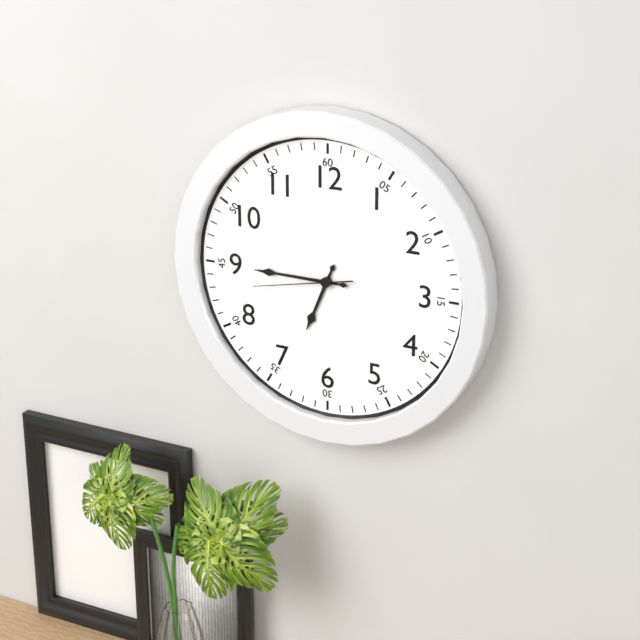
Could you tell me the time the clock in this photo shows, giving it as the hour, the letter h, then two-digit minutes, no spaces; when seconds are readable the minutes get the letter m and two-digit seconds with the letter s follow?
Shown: 6h45m43s
